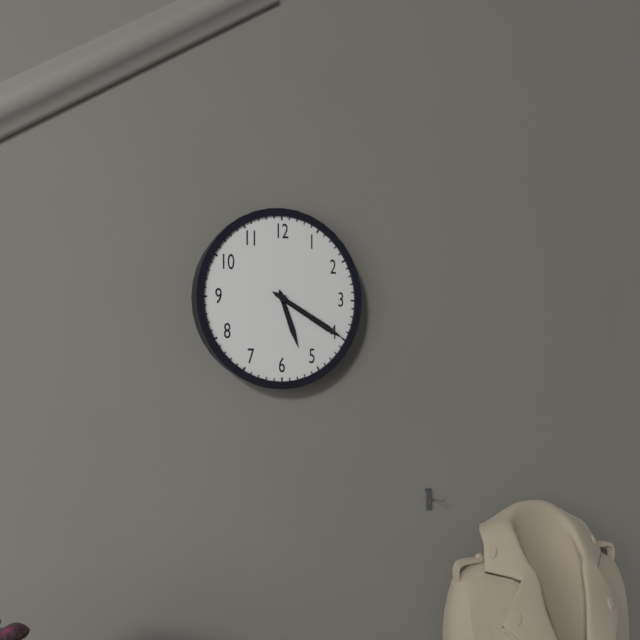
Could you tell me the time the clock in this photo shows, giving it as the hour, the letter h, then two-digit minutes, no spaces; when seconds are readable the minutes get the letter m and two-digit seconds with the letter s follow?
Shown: 5h20
